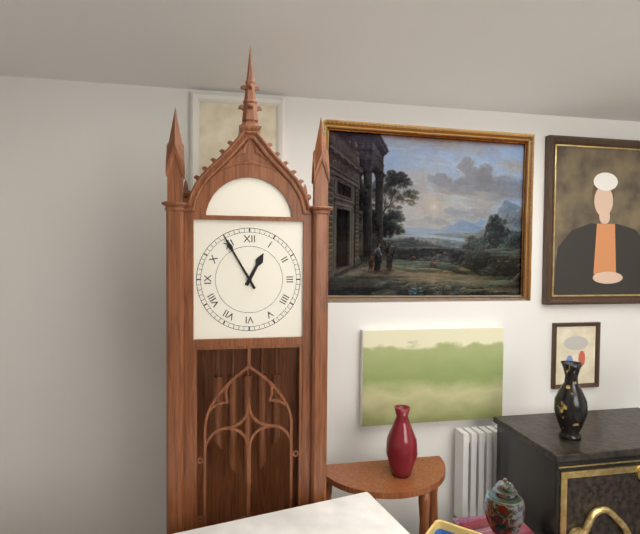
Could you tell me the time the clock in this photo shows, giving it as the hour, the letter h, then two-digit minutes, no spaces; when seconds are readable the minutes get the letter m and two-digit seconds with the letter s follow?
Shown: 12h55
